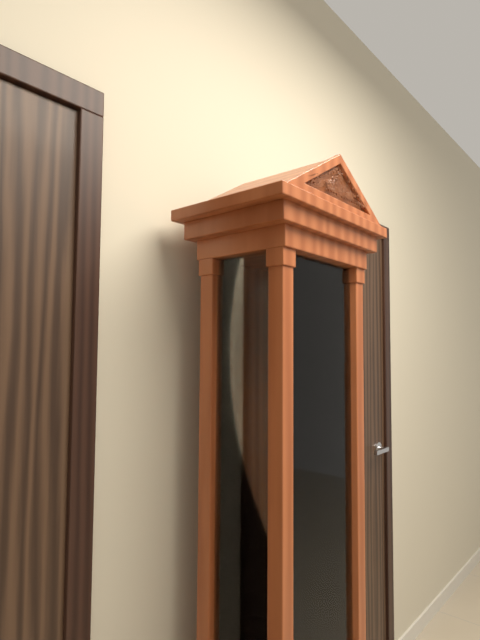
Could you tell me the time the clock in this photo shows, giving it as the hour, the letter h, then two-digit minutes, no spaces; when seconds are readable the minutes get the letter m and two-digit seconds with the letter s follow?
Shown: 5h31
